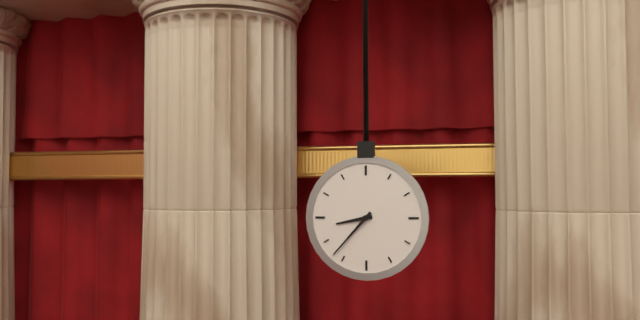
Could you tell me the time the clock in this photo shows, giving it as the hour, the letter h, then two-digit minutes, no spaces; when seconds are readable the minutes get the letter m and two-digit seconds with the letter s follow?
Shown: 8h37
